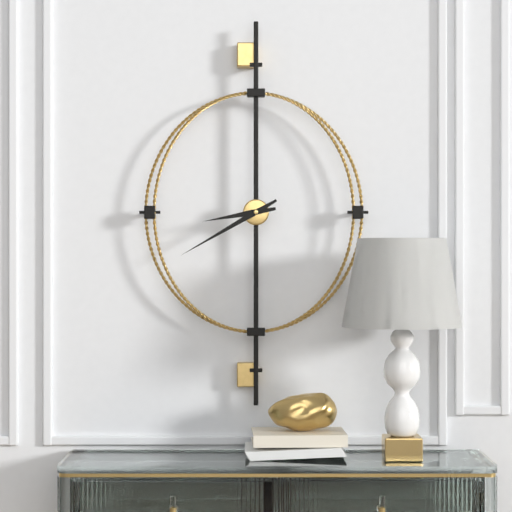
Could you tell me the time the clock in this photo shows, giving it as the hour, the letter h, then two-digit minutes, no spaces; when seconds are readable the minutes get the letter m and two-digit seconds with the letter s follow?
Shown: 8h40
